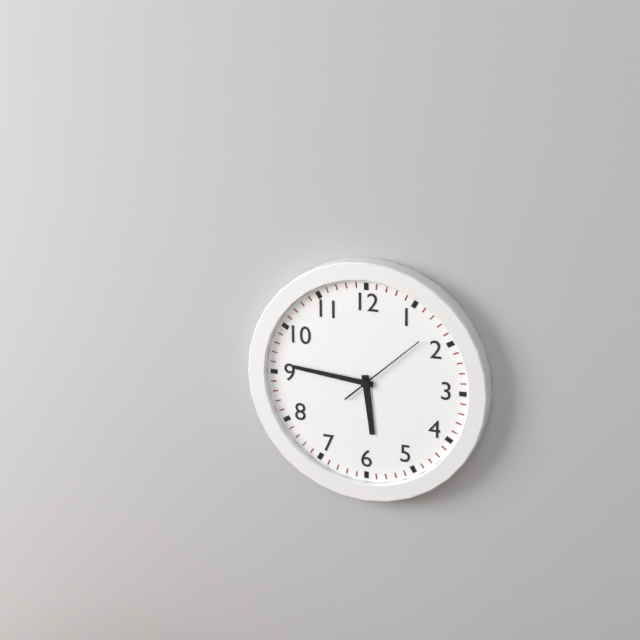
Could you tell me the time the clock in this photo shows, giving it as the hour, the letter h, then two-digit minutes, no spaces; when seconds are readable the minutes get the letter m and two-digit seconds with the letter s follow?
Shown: 5h46m08s
